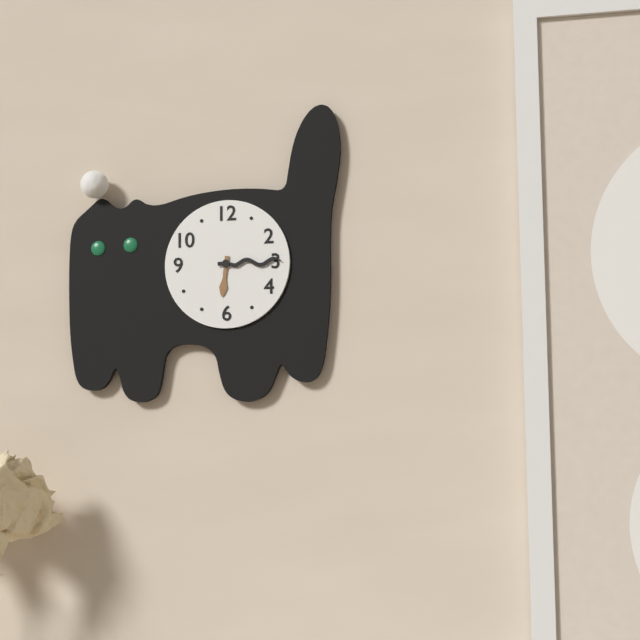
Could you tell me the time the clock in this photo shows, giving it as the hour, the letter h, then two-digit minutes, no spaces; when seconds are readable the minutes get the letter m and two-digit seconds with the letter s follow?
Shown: 6h15
